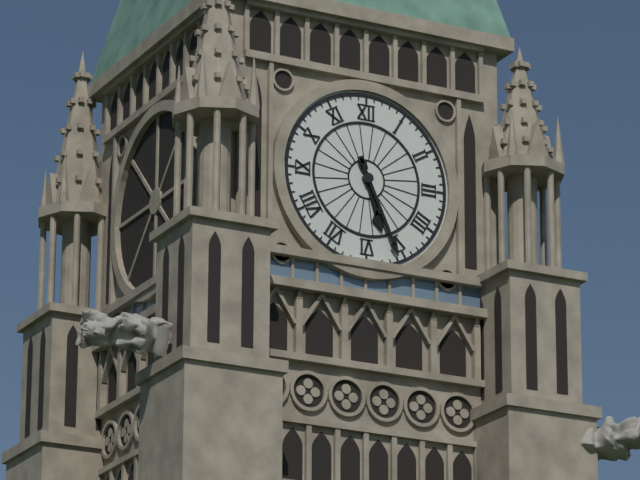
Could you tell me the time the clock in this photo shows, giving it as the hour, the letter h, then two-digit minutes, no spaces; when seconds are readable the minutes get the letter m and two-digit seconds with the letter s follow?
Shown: 5h26
